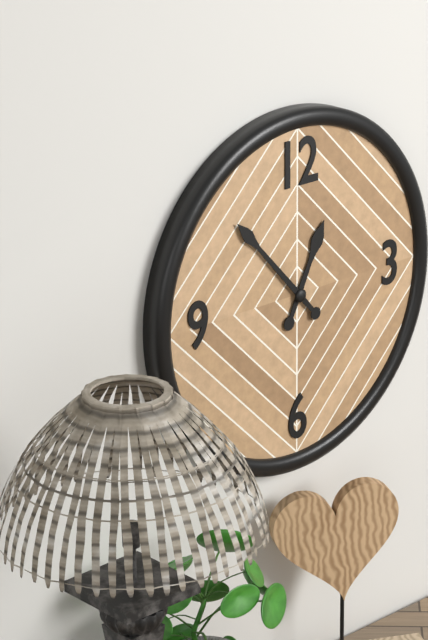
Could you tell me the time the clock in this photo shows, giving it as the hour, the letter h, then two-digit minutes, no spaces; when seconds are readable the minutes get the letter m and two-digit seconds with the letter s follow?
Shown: 12h53
